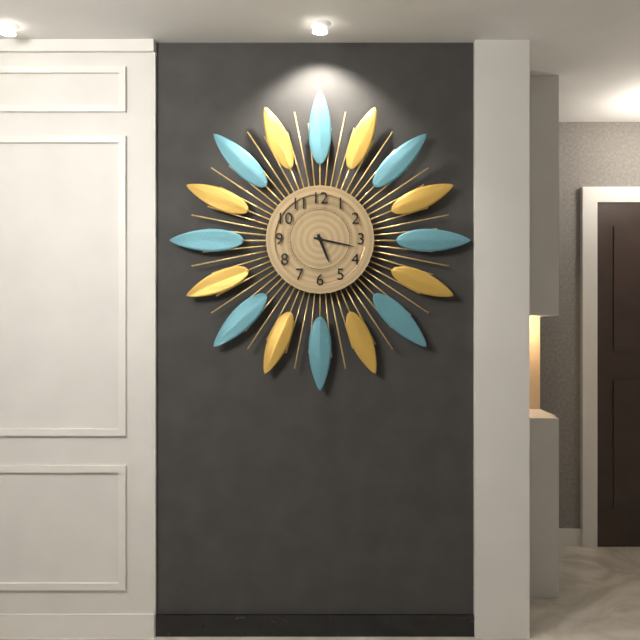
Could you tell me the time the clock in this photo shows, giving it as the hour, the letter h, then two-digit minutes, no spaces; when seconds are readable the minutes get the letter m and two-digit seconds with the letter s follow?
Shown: 5h17
